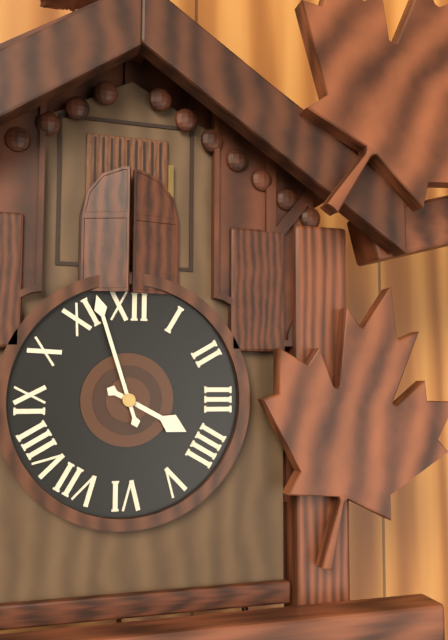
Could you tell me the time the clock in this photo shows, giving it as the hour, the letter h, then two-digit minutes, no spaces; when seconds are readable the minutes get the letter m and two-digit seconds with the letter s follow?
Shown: 3h57
